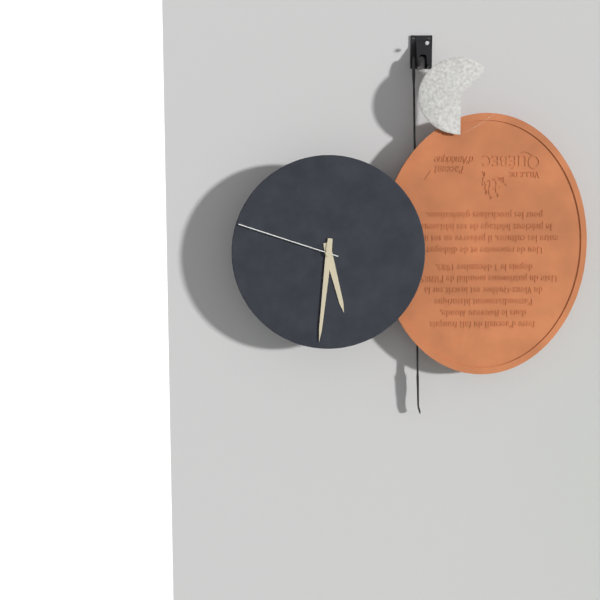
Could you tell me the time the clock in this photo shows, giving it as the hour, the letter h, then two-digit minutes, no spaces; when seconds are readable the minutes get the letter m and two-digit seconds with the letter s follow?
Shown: 5h31m48s
